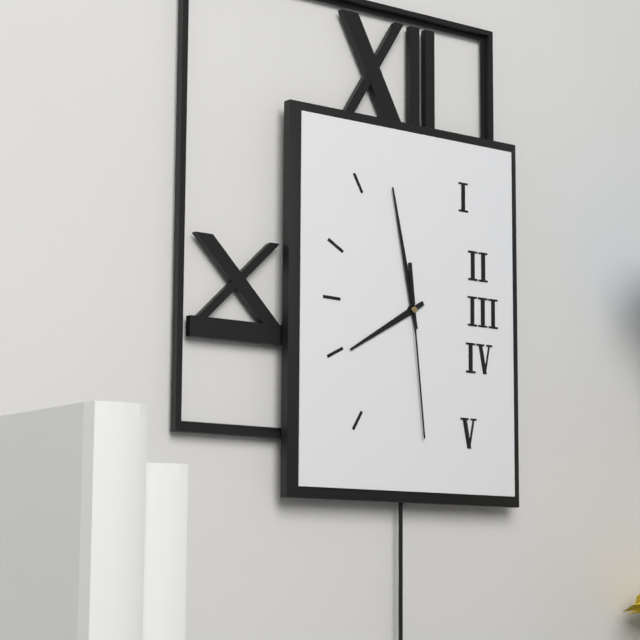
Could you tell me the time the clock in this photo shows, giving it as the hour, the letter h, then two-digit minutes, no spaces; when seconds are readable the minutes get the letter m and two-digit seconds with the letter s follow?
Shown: 7h58m29s
